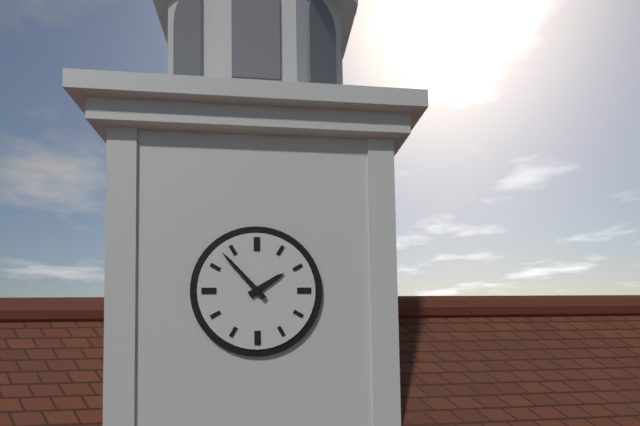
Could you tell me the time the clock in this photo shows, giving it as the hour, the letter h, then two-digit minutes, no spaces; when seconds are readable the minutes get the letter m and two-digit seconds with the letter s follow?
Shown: 1h53
